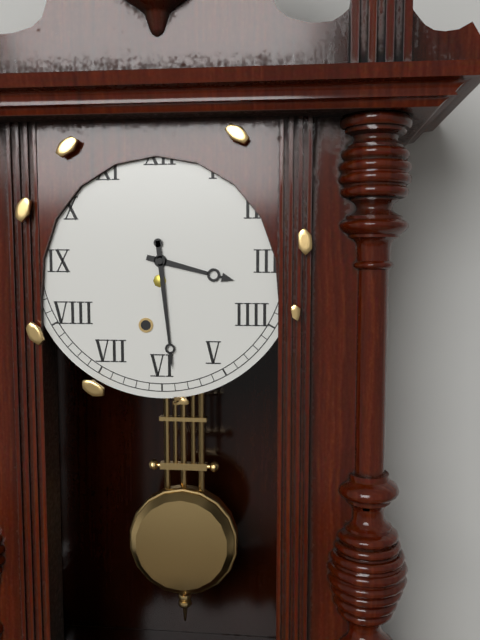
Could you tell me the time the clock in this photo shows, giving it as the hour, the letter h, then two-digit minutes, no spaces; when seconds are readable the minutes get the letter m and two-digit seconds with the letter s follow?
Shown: 3h29
